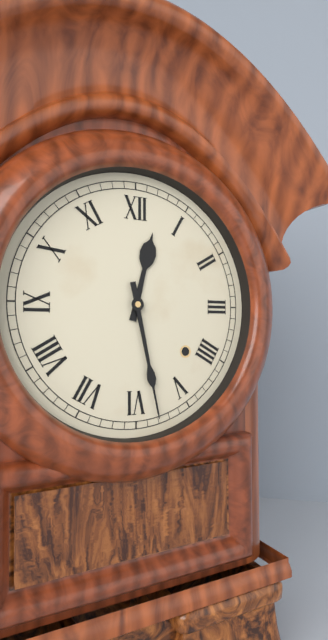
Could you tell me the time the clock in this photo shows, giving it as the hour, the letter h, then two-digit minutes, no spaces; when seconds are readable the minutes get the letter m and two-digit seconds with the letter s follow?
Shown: 12h28
